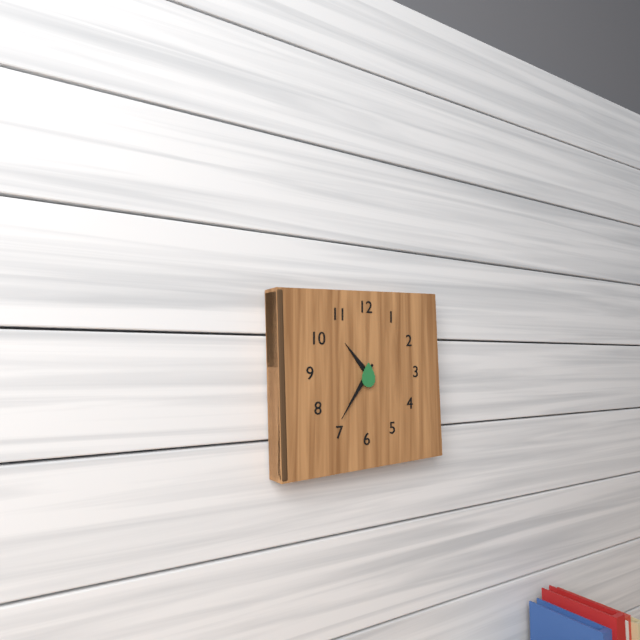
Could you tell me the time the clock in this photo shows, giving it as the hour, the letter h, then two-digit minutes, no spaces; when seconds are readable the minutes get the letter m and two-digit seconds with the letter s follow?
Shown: 10h36
